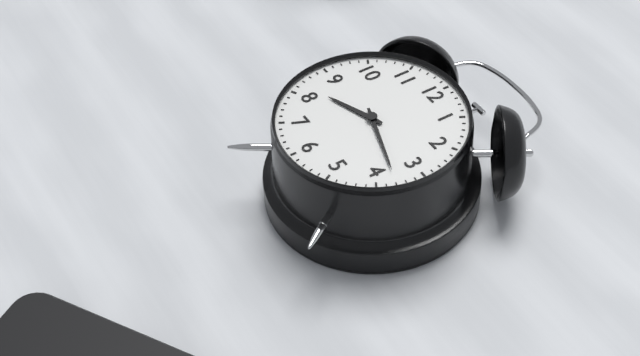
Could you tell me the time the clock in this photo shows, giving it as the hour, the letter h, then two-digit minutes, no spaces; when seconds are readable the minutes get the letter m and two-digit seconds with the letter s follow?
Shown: 8h18
